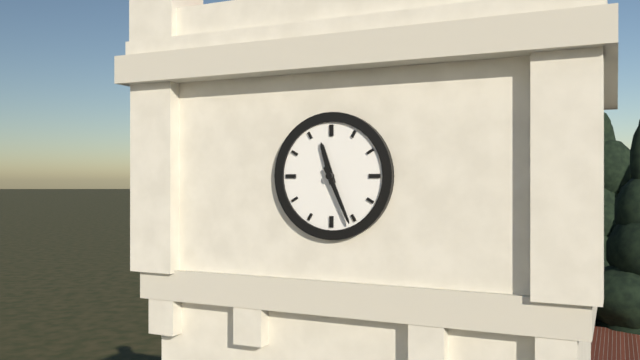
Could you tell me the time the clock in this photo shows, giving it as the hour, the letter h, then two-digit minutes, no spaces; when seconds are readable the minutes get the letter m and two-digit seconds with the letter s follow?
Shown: 11h26
